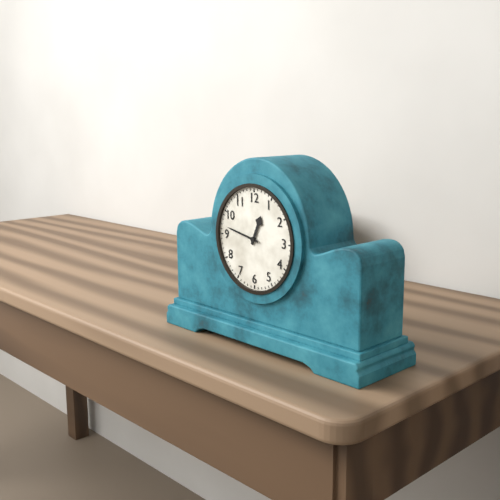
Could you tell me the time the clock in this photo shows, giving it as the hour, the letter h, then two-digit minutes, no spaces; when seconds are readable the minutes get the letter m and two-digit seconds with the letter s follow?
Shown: 12h47
